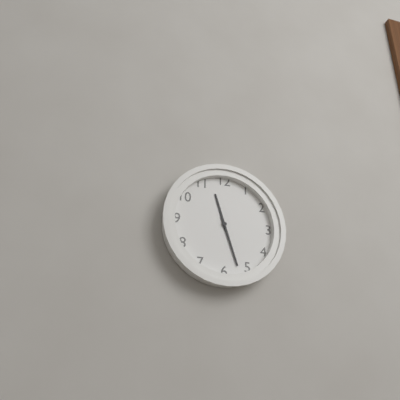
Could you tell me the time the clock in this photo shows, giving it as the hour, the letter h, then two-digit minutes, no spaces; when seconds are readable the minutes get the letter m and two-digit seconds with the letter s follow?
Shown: 11h27
